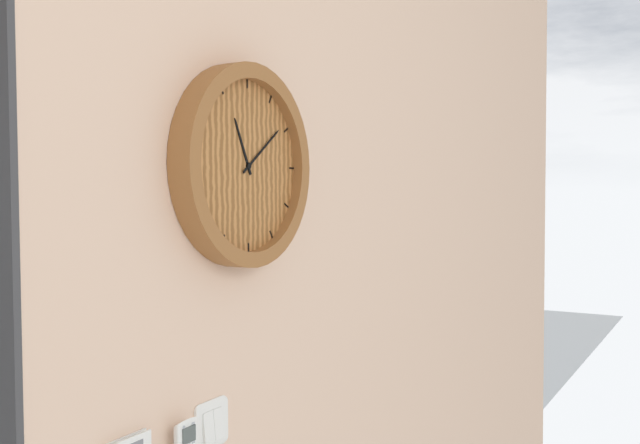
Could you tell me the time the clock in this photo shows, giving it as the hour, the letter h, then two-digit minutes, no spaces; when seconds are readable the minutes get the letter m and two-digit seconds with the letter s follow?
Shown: 11h09
